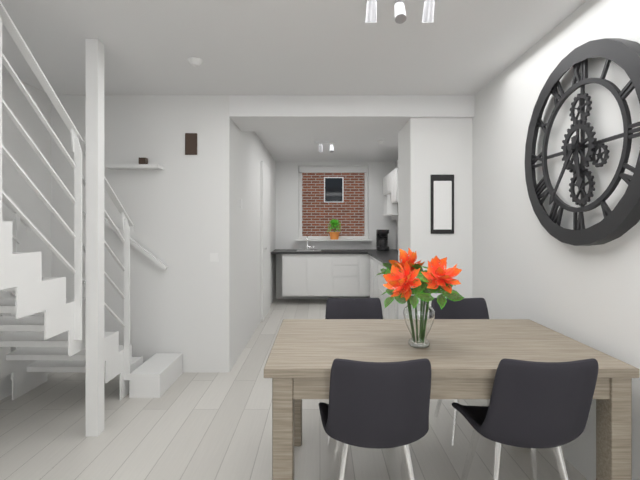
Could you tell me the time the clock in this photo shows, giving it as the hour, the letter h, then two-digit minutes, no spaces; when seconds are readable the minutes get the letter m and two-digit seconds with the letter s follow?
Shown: 5h36
